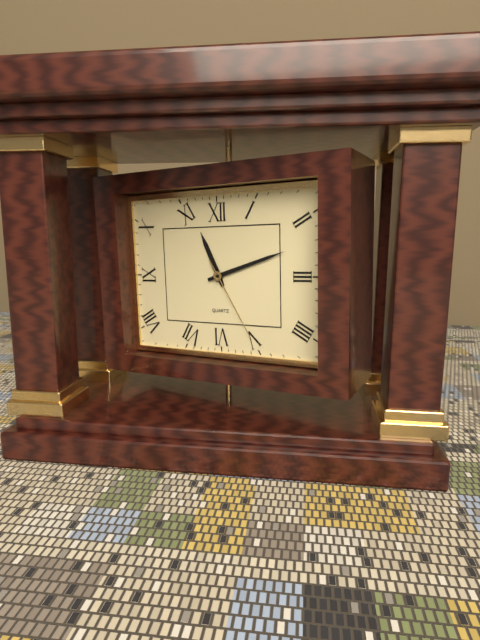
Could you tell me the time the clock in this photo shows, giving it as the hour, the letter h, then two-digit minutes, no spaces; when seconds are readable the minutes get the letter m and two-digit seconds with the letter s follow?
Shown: 11h12m25s
